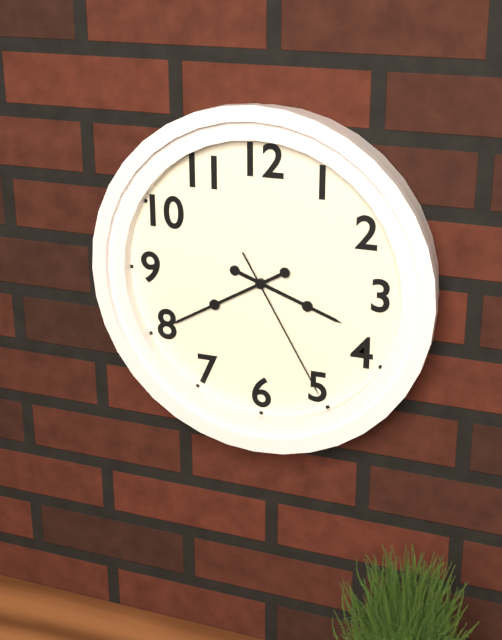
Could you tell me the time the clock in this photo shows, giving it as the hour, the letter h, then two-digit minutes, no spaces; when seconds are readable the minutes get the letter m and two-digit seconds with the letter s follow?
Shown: 3h40m25s
